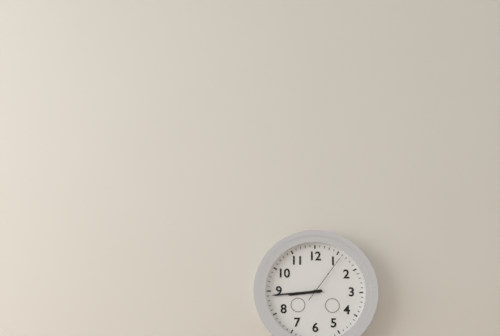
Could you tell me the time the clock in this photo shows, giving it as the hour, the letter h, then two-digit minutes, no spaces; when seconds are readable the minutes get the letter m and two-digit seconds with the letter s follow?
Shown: 8h44m06s
